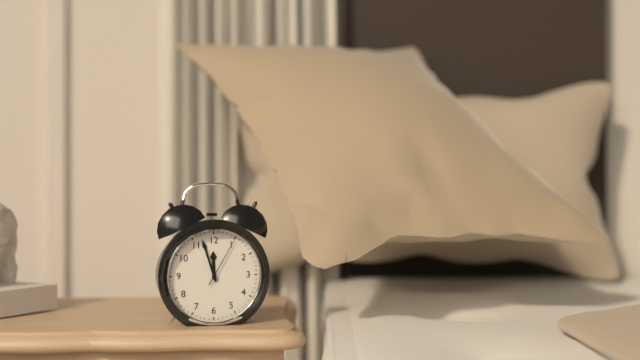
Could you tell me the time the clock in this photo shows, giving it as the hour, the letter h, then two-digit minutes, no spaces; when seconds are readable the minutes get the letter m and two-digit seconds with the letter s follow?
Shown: 11h57m05s
